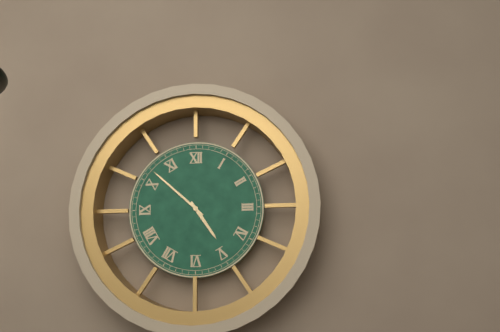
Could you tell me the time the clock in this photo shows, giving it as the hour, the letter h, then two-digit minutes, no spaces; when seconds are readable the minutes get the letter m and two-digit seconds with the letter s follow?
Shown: 4h52
